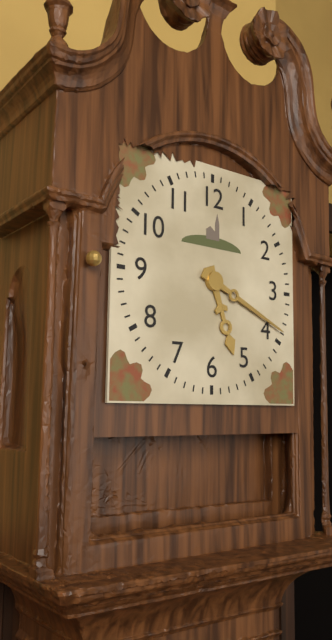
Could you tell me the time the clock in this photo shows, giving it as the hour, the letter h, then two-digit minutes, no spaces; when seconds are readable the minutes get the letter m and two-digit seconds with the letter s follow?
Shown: 5h19
